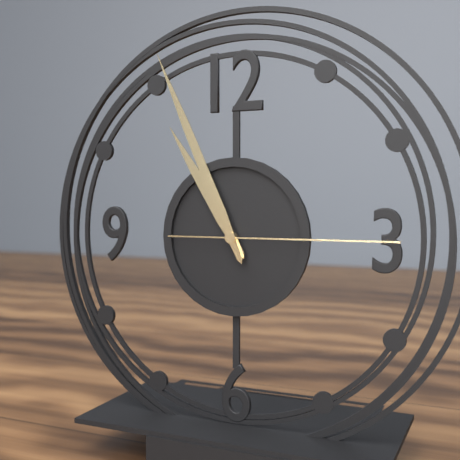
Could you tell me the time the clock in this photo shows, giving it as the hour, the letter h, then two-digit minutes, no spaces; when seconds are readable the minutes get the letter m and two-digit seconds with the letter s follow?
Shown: 10h56m15s
